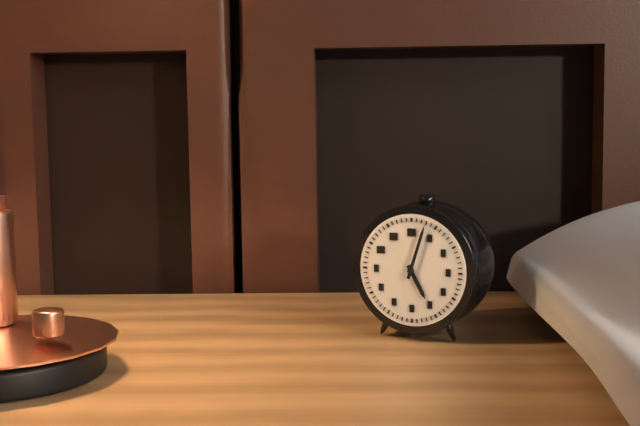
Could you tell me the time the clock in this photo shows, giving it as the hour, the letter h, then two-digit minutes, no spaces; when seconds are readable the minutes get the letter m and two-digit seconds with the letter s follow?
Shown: 5h03
